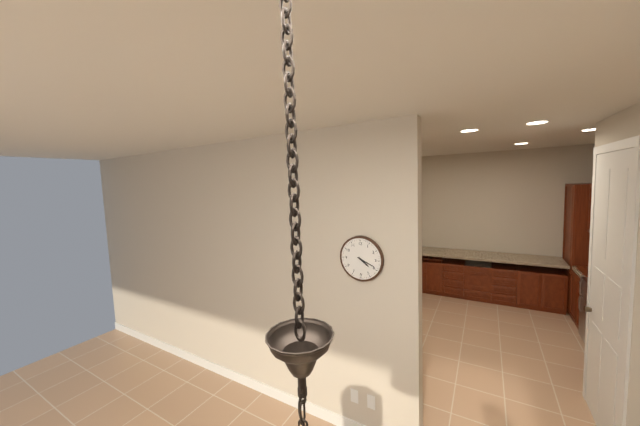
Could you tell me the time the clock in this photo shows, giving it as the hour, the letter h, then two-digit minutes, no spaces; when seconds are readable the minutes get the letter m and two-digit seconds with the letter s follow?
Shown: 4h19
